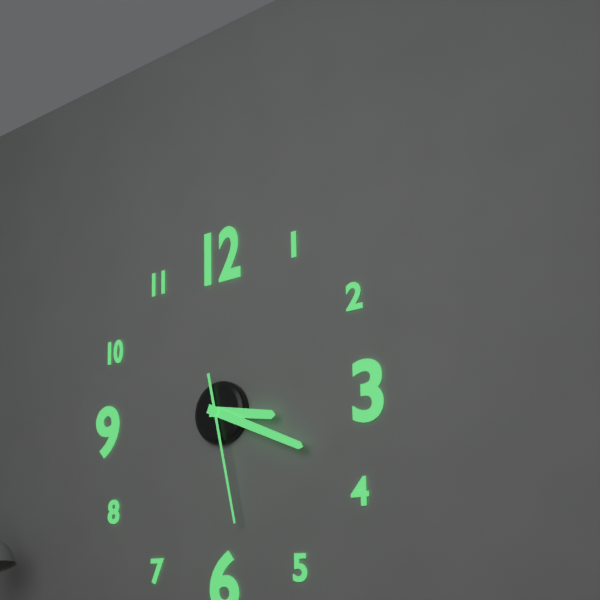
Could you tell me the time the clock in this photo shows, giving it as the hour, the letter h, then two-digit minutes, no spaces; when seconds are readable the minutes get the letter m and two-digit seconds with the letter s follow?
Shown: 3h19m28s
